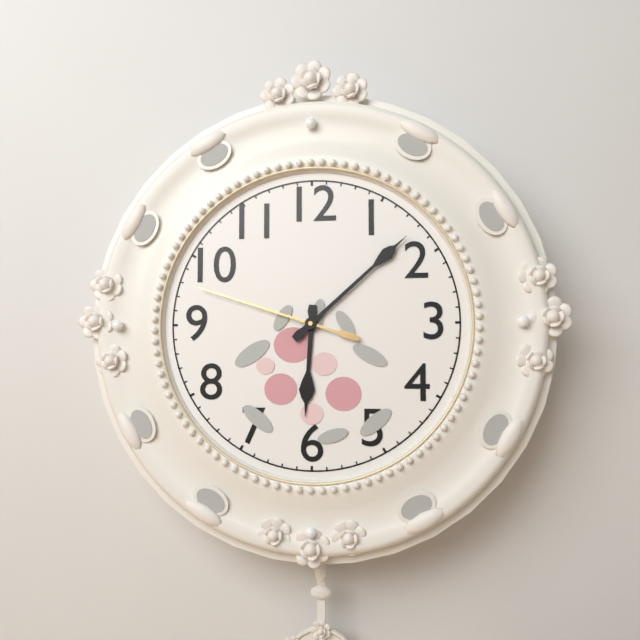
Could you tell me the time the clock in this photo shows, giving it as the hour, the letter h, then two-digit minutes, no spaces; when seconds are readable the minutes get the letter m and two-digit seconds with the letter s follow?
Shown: 6h08m48s
